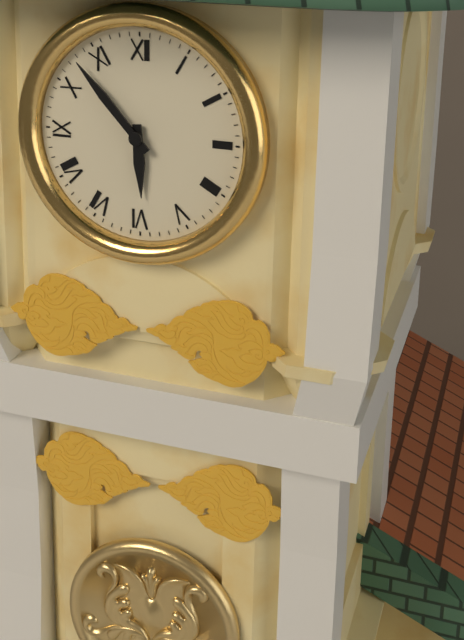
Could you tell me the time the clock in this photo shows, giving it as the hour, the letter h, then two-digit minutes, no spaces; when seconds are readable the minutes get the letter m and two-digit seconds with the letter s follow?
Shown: 5h53
